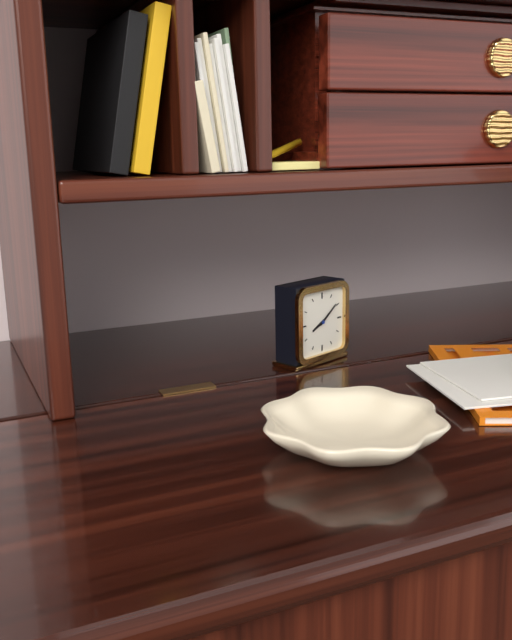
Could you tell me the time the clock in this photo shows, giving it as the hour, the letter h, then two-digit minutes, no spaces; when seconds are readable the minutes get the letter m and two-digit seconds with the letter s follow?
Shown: 8h09
